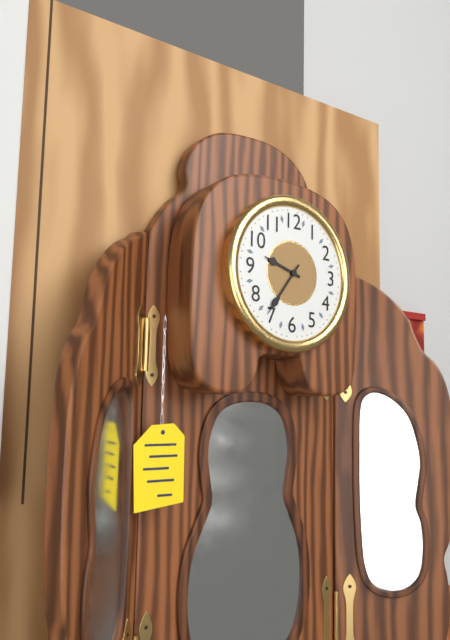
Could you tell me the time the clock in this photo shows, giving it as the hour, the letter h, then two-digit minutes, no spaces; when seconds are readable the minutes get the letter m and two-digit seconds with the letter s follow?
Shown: 9h36
